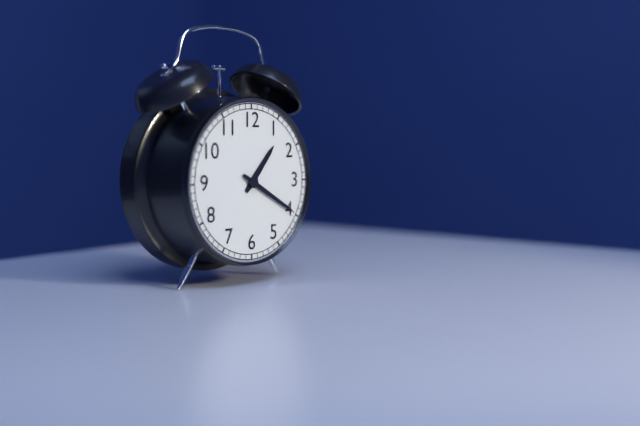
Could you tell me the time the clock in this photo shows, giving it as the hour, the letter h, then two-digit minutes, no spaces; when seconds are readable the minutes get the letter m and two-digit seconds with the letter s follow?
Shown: 1h20
